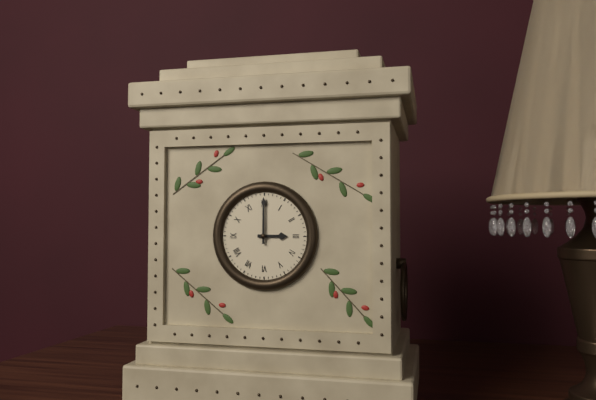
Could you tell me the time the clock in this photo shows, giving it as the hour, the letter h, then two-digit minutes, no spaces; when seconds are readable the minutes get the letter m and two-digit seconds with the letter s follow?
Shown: 3h00
